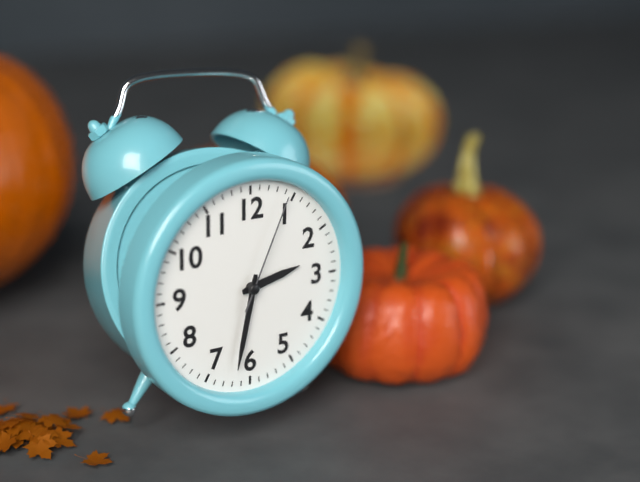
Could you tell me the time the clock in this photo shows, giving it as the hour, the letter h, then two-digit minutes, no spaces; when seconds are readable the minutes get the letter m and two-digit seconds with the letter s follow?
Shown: 2h32m04s
